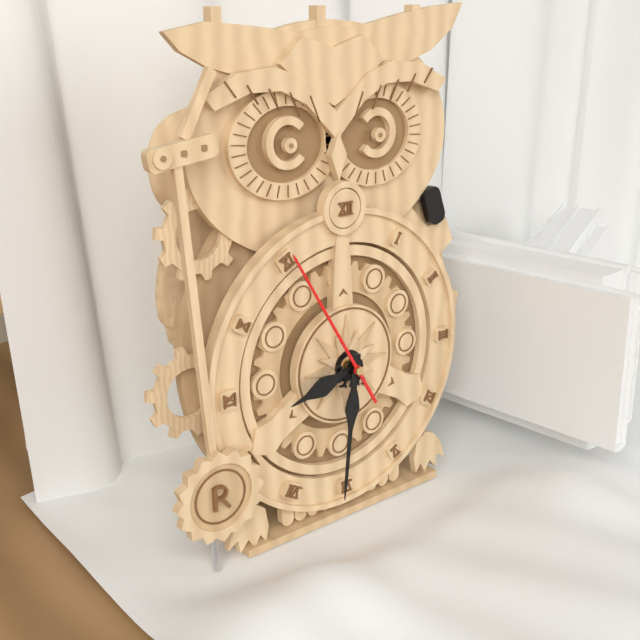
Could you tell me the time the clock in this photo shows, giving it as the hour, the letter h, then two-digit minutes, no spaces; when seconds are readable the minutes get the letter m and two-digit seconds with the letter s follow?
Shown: 8h31m55s
